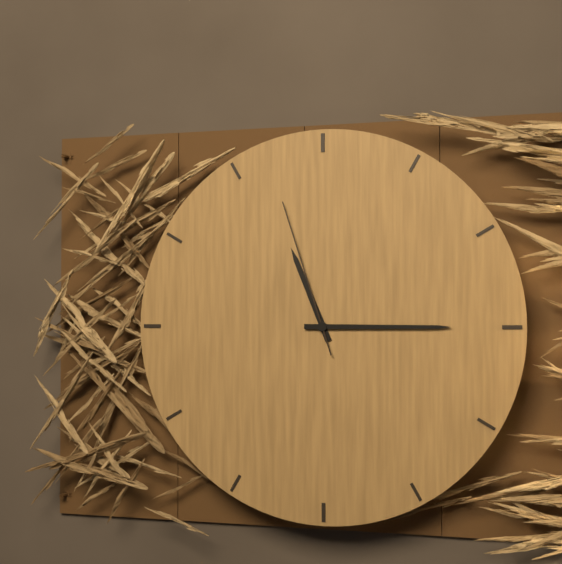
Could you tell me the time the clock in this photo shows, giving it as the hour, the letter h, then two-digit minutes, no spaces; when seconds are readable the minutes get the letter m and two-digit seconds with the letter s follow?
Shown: 11h15m57s
